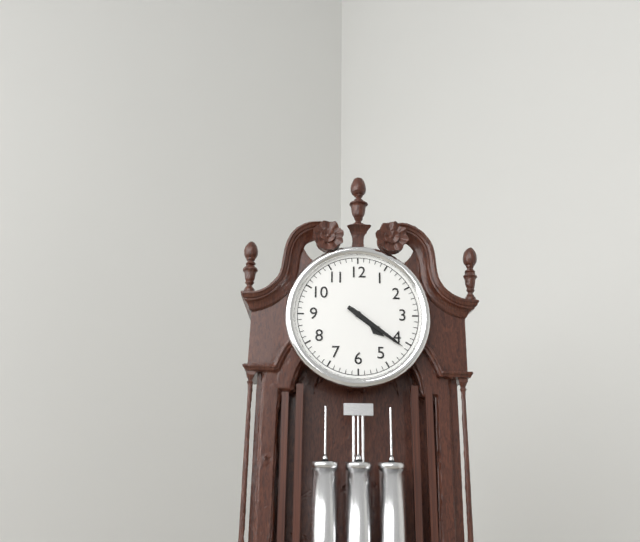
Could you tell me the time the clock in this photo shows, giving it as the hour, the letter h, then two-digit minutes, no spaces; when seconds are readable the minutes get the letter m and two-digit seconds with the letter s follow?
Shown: 4h21
